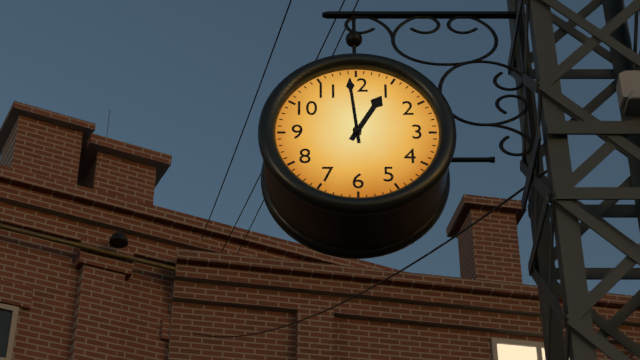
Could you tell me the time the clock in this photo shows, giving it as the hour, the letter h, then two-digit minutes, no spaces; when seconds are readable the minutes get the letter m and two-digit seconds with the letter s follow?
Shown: 12h59
